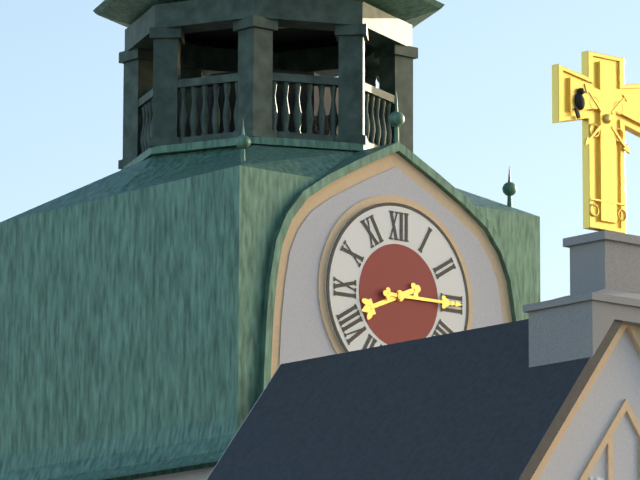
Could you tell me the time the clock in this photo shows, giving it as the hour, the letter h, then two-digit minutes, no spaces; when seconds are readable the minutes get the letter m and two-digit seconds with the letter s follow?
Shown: 8h15
